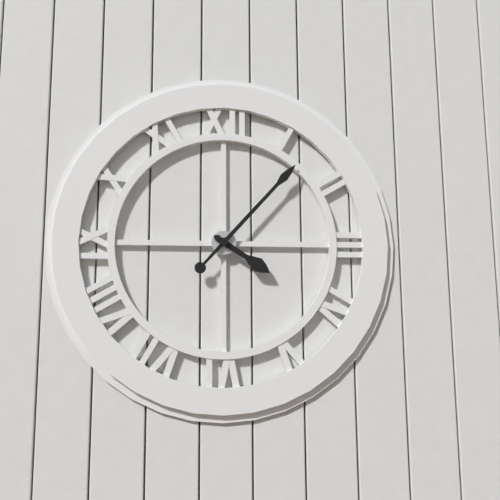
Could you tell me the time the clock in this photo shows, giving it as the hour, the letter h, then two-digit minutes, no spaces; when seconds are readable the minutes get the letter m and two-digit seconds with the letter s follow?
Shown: 4h07
